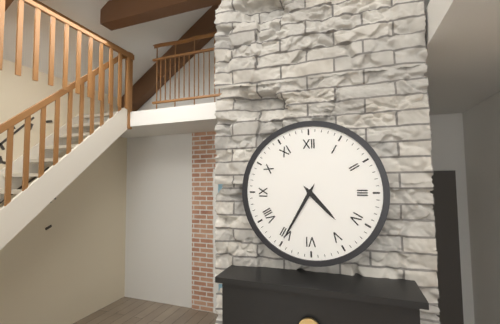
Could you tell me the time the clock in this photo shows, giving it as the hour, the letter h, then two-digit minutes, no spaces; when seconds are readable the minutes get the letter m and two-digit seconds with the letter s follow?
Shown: 4h35
